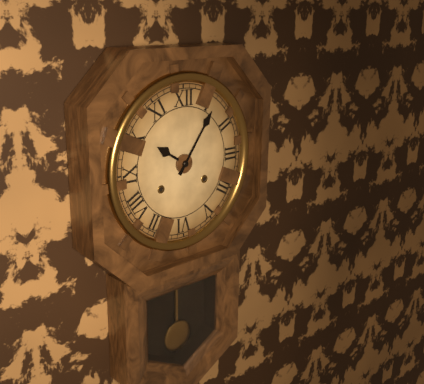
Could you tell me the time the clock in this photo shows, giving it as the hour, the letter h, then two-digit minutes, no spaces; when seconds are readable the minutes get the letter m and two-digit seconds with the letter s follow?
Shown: 10h06
